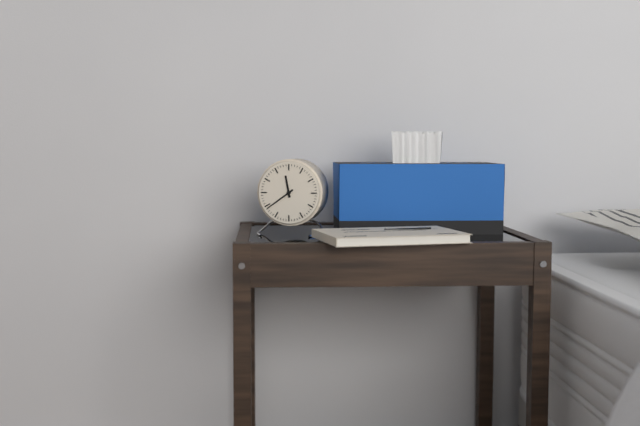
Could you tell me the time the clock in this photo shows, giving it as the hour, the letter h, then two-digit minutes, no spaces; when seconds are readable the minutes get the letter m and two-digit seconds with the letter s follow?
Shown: 11h39
